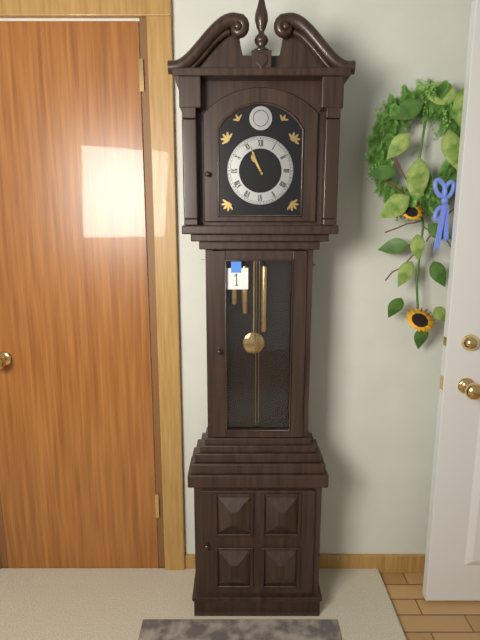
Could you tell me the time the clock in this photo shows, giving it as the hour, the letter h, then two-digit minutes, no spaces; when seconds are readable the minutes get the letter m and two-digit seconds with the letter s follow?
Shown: 10h56
